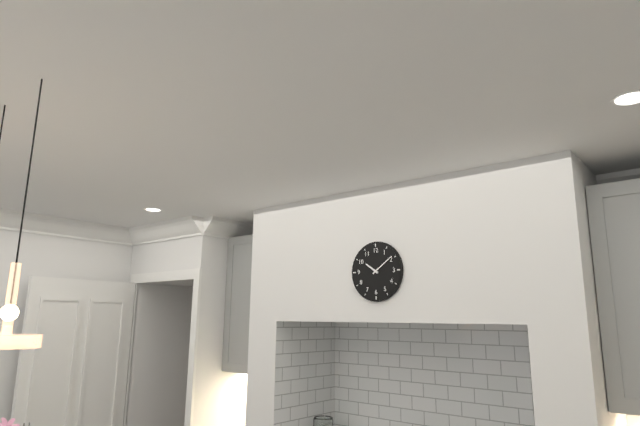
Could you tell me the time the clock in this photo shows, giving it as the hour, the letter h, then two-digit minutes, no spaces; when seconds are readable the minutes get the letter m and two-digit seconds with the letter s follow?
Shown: 10h09
